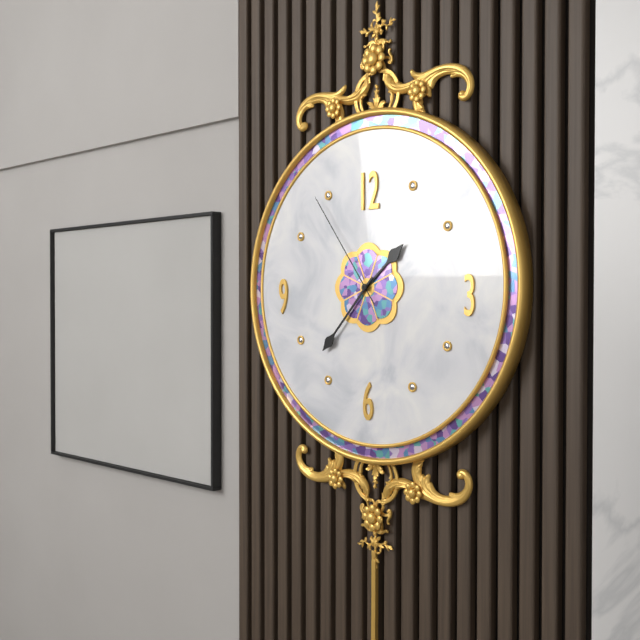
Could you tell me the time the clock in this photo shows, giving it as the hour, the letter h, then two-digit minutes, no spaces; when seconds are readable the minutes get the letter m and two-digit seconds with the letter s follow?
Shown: 1h37m54s
